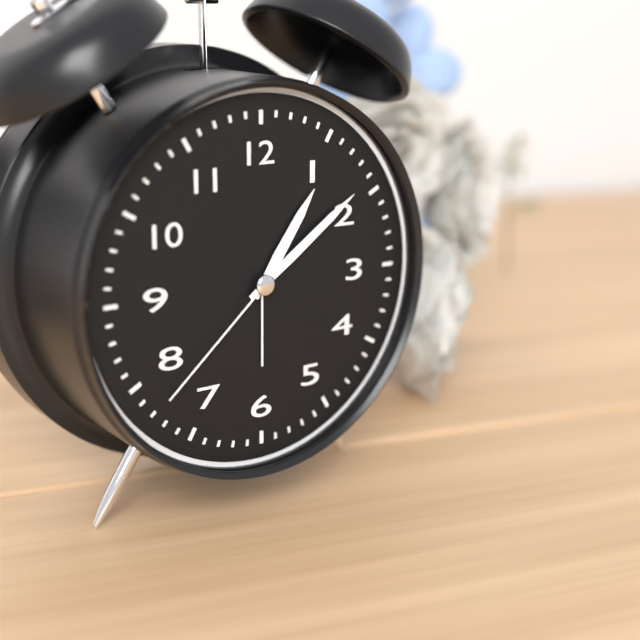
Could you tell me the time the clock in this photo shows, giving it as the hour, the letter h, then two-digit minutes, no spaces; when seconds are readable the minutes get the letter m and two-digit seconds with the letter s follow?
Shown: 1h09m38s
